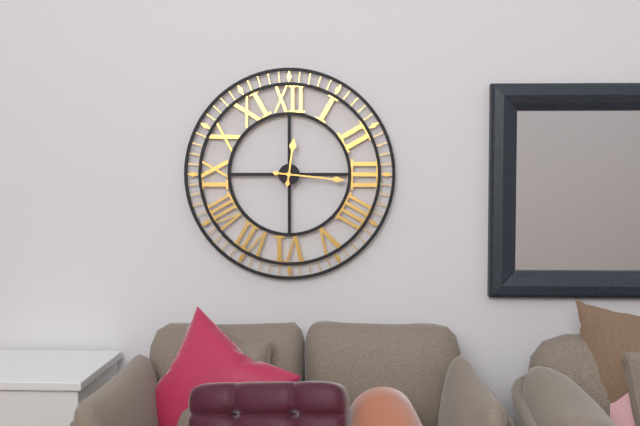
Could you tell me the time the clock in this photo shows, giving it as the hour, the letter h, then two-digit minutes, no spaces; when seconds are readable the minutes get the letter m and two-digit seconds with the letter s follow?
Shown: 12h16
